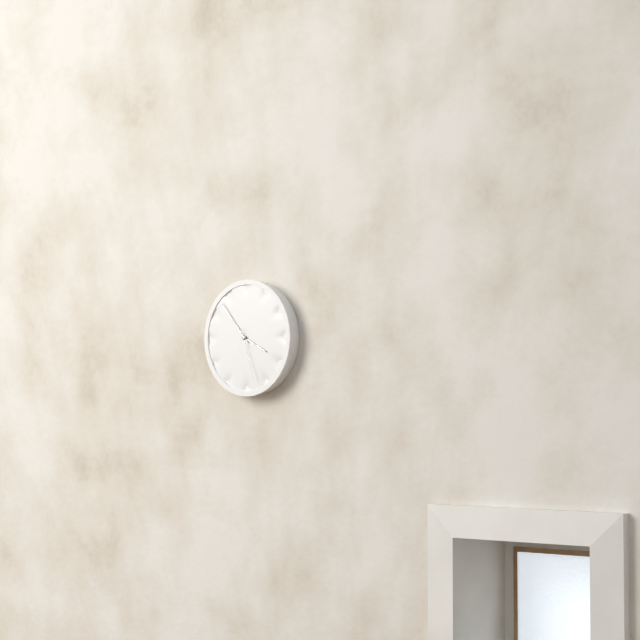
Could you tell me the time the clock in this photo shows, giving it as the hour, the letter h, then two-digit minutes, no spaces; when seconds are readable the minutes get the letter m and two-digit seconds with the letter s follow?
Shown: 3h53m27s
